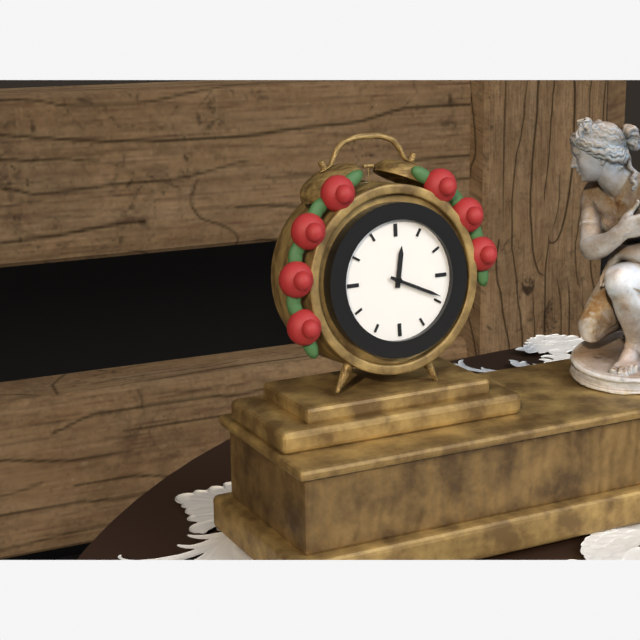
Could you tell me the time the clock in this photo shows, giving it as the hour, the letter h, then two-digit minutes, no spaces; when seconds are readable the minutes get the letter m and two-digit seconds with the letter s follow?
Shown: 12h19
